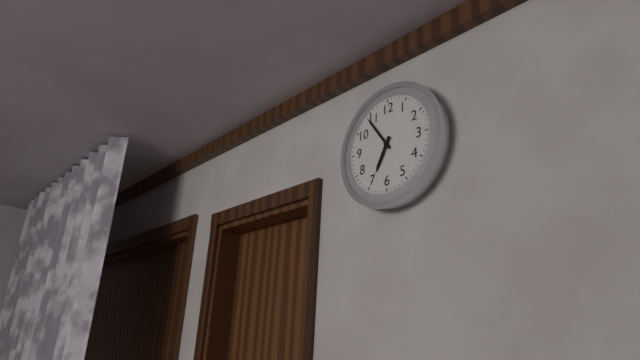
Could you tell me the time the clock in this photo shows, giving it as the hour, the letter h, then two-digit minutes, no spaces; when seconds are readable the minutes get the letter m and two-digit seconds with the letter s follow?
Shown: 6h54
